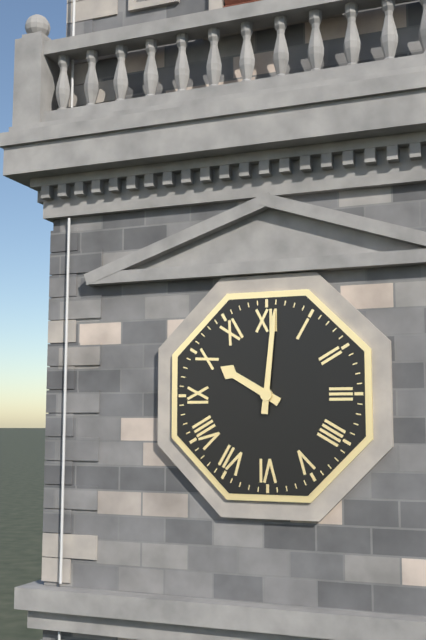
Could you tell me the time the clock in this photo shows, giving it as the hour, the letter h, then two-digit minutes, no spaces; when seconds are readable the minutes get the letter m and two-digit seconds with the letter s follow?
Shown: 10h01
